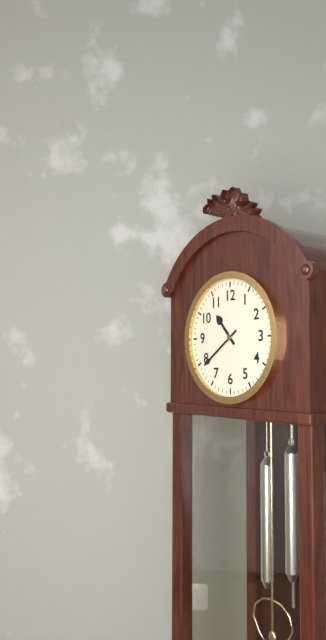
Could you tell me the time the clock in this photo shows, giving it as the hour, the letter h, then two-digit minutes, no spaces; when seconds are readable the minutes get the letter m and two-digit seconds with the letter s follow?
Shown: 10h39
